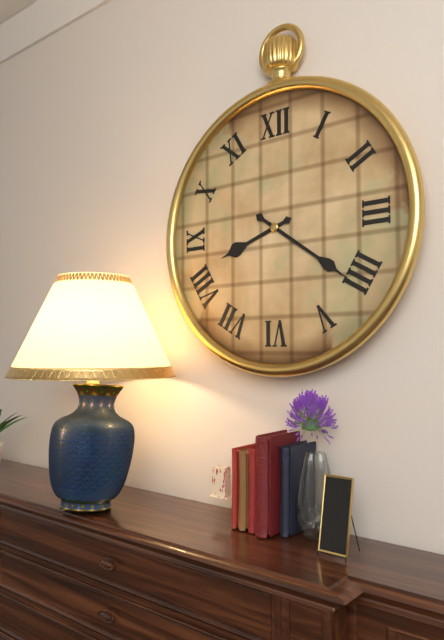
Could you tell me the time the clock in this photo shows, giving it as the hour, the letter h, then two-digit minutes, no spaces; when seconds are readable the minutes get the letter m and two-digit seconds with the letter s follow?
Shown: 8h21
